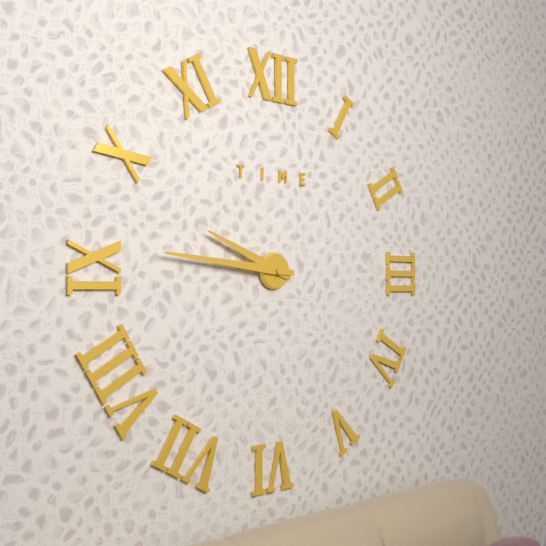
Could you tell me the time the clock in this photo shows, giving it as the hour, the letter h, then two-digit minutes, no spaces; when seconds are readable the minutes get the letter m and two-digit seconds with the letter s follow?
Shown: 9h46
